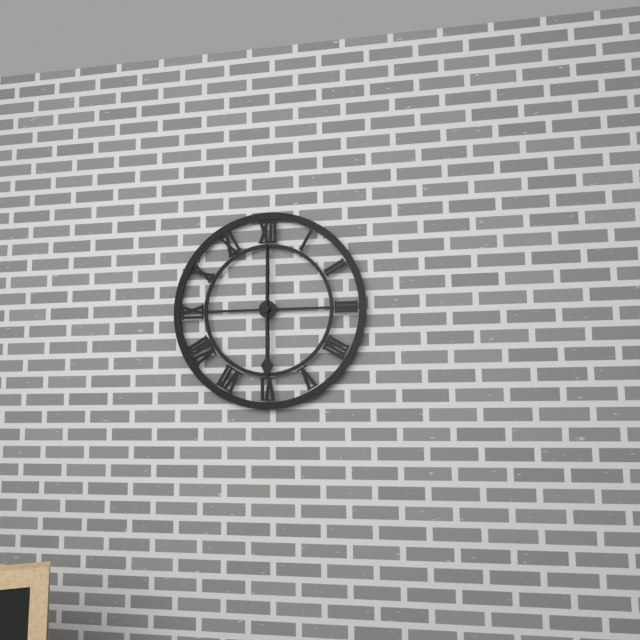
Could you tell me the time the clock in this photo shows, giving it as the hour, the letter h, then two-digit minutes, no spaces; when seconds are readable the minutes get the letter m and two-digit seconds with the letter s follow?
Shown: 6h00
